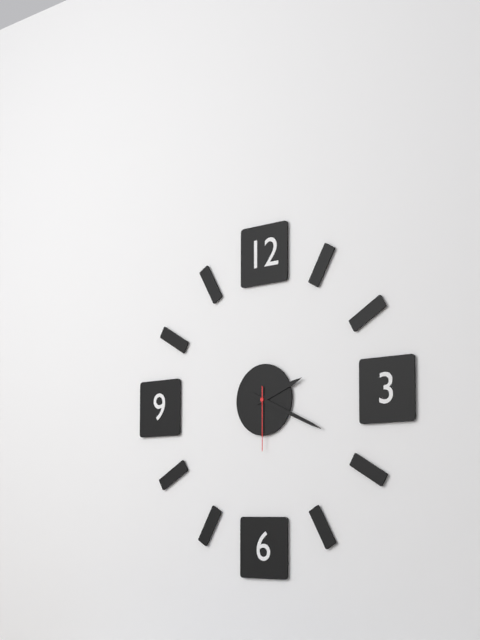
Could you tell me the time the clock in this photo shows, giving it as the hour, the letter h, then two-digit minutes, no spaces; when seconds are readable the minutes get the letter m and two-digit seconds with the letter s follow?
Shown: 2h19m30s
